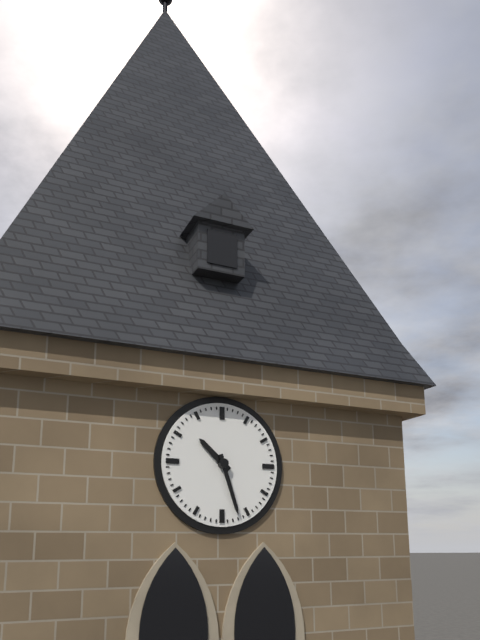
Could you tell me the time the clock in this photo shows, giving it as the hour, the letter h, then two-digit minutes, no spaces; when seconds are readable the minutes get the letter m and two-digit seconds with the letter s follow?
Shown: 10h27
